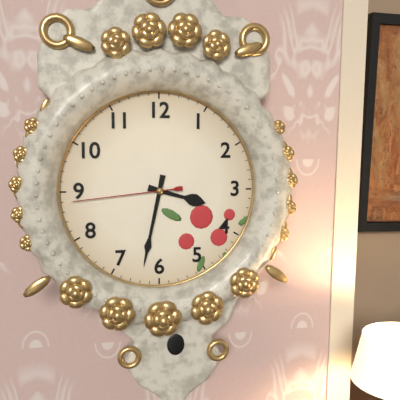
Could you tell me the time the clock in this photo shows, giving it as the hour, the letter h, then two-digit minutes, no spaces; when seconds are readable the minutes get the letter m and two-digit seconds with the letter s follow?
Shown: 3h32m44s
